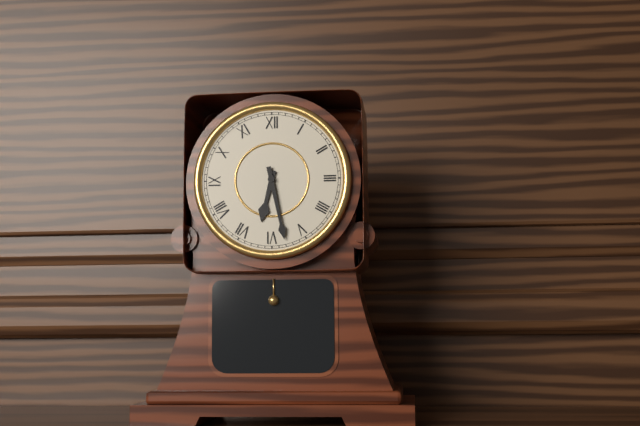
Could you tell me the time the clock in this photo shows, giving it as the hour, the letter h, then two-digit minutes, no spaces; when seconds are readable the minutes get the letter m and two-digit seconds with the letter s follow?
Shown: 6h28
